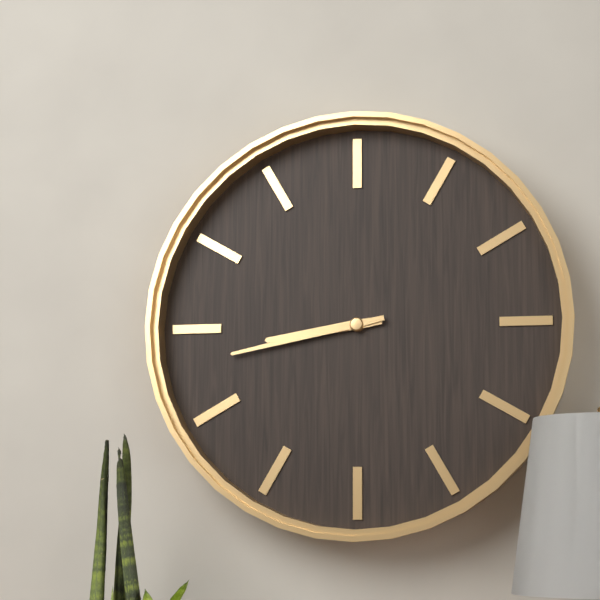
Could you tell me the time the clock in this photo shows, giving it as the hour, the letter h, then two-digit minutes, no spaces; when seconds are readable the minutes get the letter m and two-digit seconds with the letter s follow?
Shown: 8h43
